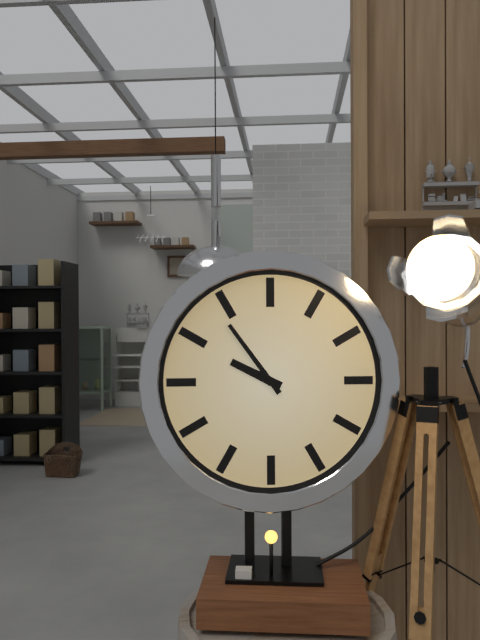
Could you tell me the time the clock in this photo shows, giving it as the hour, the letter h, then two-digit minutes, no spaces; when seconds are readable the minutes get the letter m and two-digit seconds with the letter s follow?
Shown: 9h54
